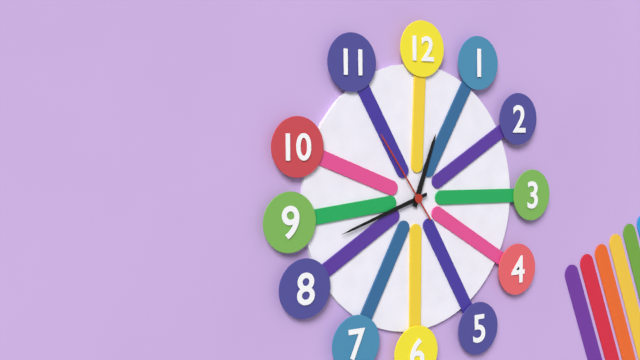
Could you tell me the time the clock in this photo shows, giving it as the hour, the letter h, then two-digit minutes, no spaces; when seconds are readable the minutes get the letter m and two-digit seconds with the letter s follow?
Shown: 12h42m54s
